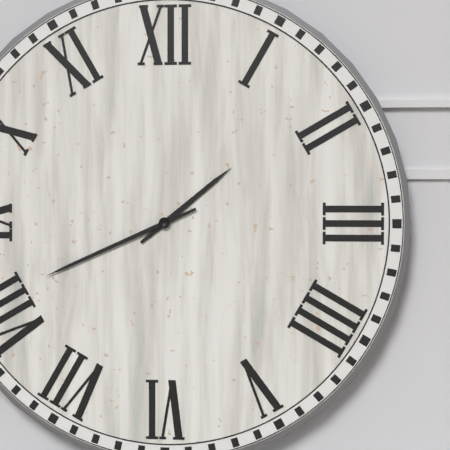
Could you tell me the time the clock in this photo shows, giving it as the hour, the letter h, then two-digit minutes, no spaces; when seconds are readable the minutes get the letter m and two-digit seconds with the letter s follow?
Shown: 1h41
